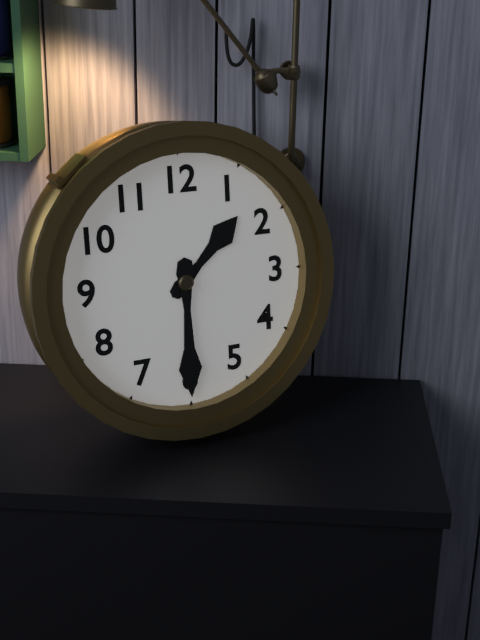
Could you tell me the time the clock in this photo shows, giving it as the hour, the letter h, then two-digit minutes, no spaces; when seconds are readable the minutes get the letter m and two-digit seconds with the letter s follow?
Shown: 1h30
